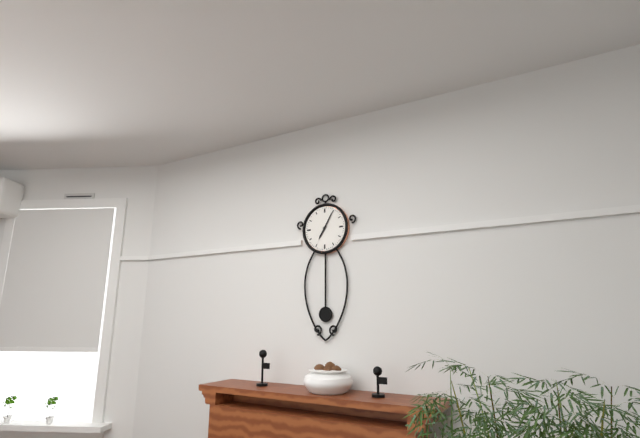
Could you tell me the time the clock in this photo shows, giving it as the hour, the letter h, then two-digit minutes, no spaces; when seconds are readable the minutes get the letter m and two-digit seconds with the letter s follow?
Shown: 7h05
